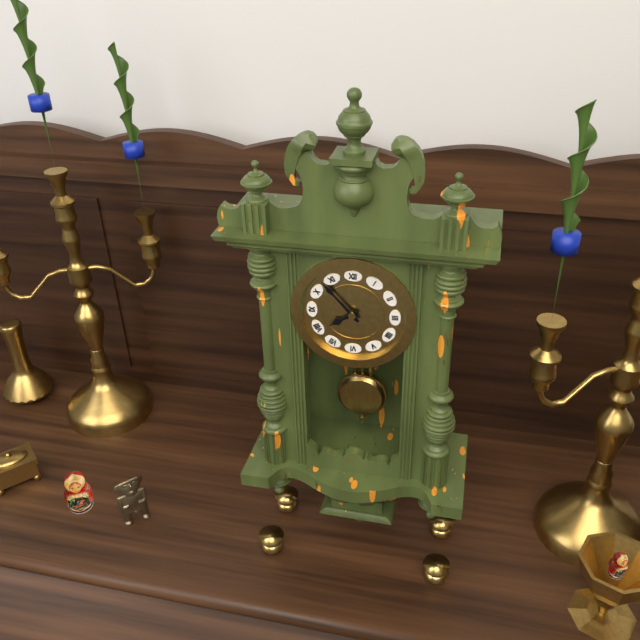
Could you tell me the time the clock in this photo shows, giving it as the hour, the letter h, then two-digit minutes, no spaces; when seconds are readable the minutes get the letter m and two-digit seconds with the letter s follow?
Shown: 7h53
